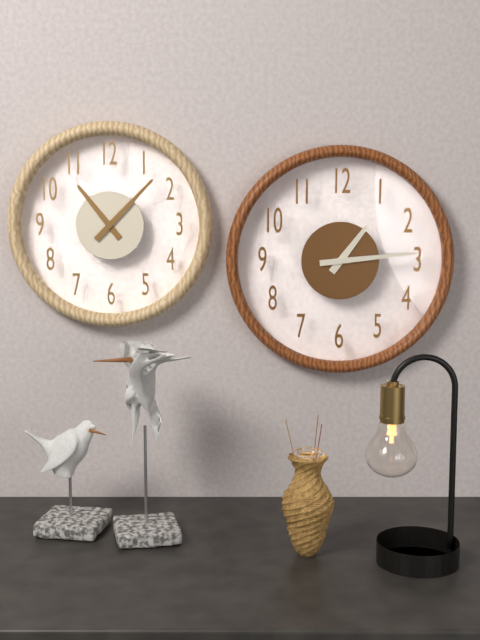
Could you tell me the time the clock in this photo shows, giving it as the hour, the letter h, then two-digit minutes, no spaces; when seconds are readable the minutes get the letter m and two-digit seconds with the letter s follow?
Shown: 1h14
